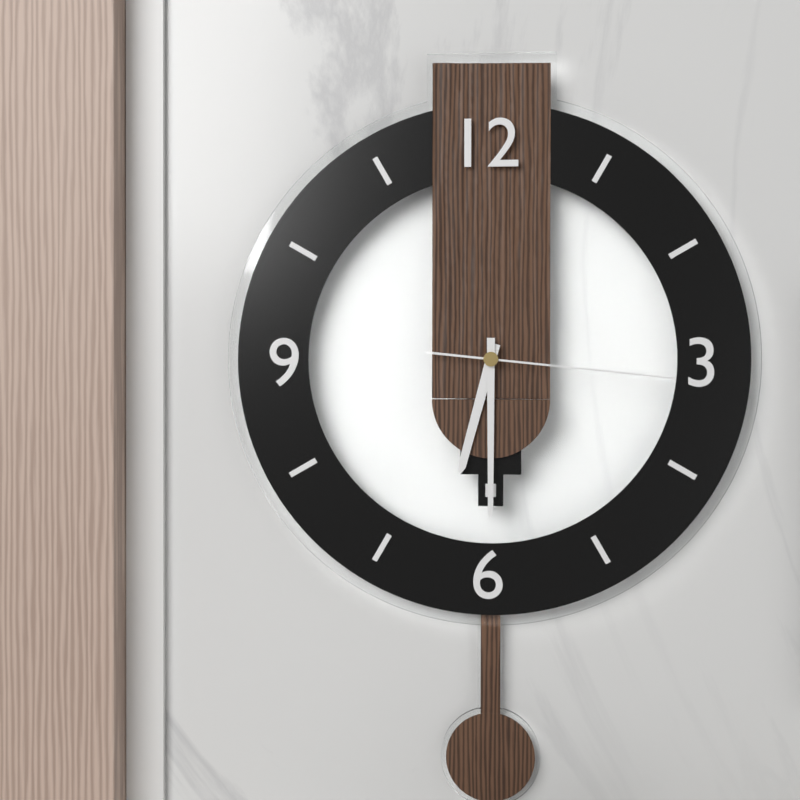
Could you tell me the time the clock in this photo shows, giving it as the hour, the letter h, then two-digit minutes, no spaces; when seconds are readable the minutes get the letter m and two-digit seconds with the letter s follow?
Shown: 6h30m16s
